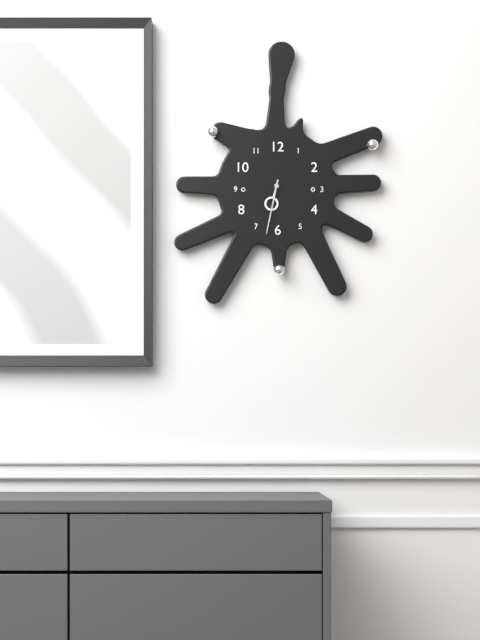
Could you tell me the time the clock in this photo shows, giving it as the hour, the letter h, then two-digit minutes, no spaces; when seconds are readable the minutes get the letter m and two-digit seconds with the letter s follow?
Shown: 6h32
